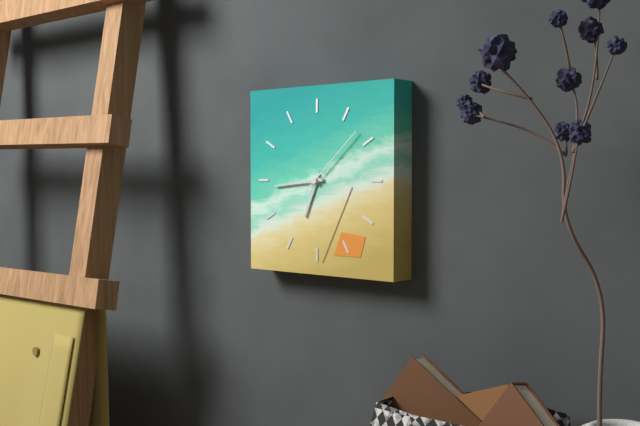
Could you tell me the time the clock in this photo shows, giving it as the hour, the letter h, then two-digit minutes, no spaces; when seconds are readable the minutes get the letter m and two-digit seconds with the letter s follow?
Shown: 6h44m08s
